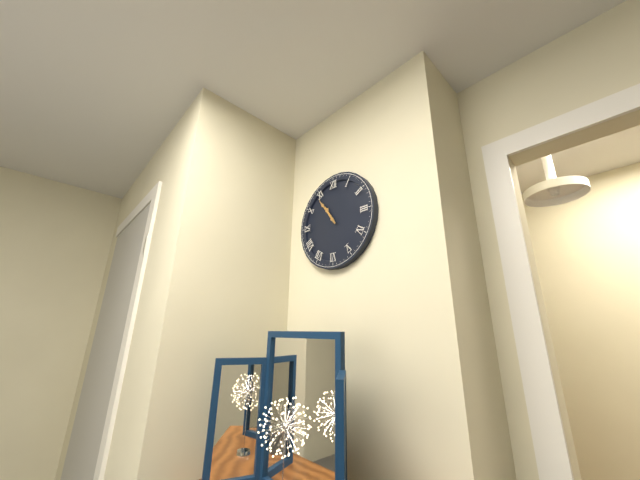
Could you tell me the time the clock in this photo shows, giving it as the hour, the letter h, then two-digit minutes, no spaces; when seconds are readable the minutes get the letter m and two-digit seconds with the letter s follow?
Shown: 10h54
